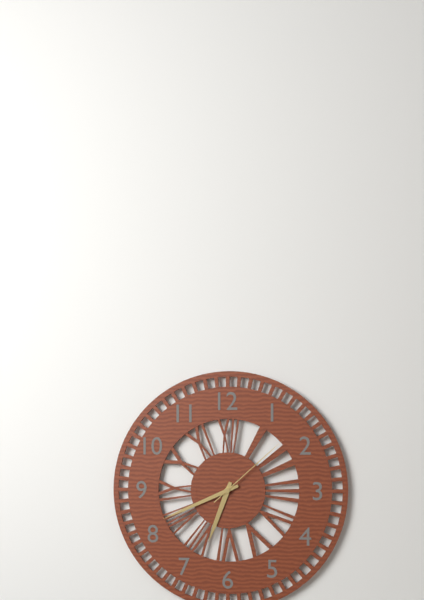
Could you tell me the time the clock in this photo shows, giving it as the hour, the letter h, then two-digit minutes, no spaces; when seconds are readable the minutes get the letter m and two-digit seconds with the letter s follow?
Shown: 6h41m08s
